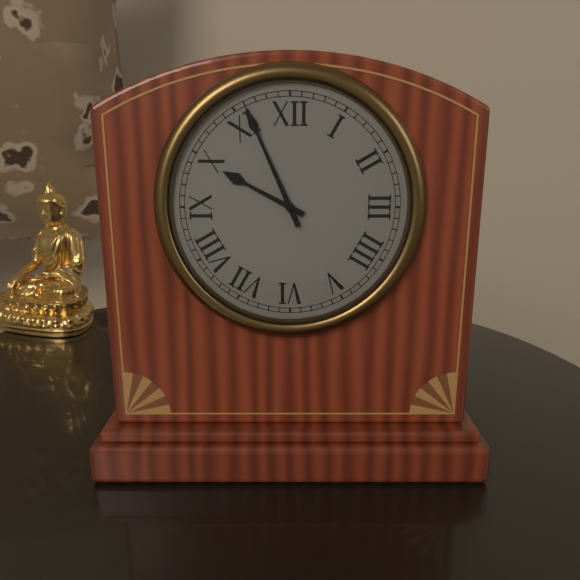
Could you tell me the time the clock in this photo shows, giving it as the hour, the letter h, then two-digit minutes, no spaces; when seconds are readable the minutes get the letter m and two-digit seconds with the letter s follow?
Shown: 9h56
